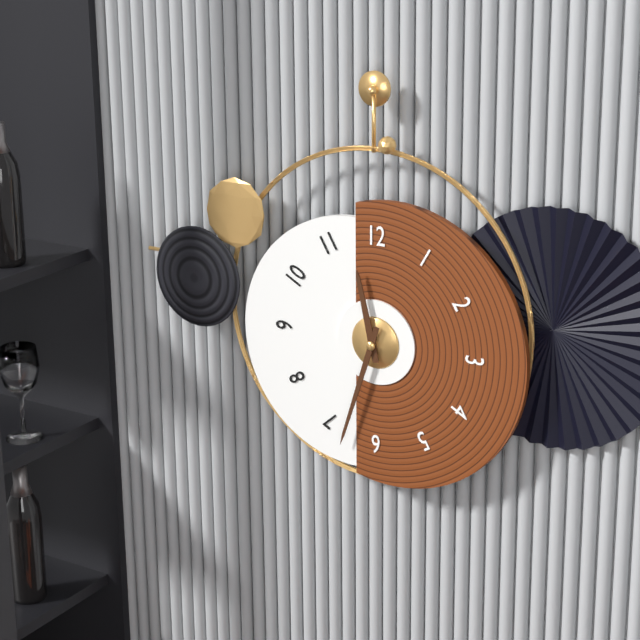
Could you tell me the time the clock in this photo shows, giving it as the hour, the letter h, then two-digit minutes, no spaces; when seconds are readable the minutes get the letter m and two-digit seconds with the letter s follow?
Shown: 11h33
